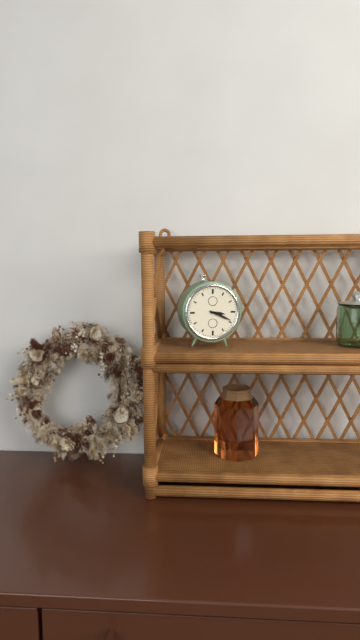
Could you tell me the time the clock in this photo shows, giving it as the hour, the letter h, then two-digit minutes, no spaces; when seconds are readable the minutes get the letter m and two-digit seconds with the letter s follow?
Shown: 3h19
